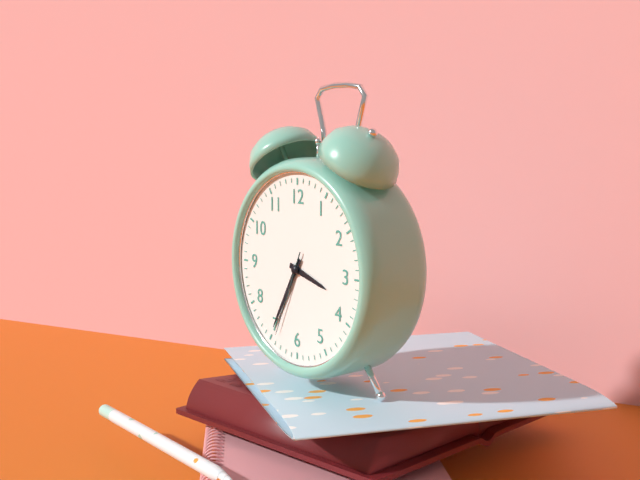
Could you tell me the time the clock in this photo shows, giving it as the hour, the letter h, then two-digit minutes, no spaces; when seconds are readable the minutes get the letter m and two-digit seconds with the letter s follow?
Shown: 3h35m34s
